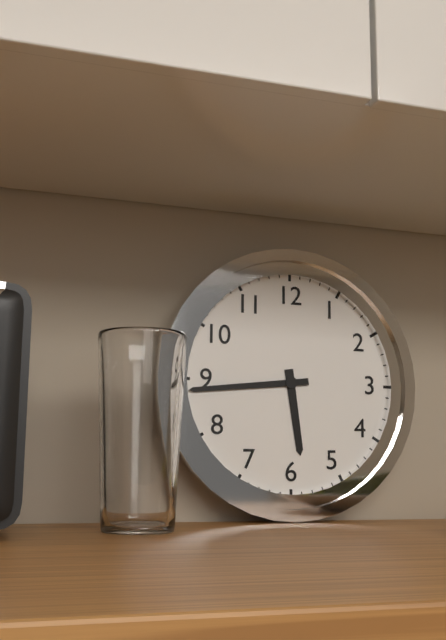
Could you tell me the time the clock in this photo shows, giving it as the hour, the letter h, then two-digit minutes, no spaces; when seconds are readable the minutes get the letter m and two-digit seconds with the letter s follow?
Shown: 5h44
